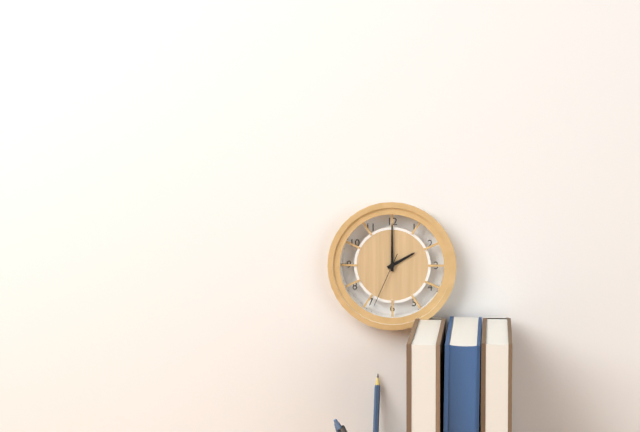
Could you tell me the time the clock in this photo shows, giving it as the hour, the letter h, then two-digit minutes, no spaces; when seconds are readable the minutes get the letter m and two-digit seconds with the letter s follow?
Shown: 2h00m34s
